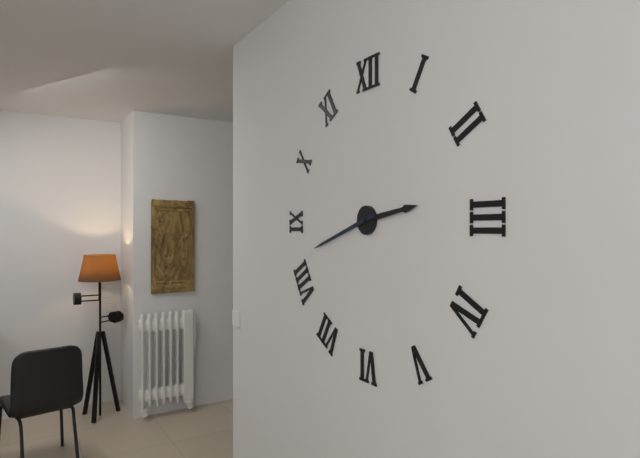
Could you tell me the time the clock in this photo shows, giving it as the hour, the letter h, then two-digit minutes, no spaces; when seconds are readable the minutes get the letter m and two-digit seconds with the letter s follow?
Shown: 2h42
